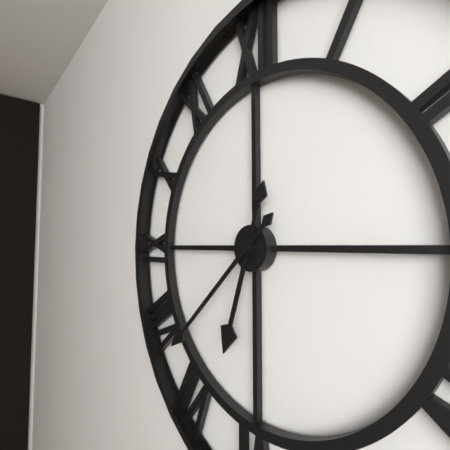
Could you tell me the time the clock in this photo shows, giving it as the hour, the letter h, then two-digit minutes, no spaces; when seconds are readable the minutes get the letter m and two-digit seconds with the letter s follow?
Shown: 6h38
